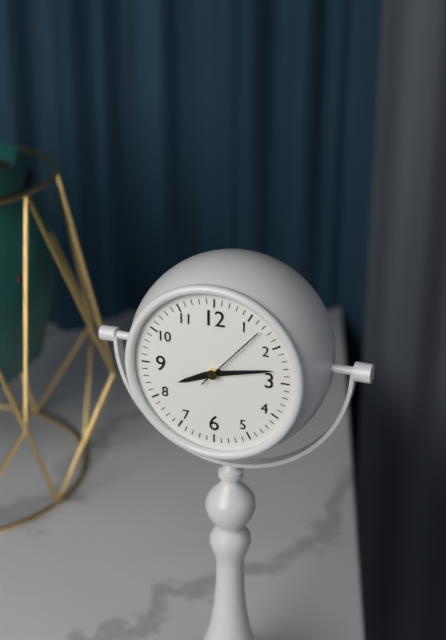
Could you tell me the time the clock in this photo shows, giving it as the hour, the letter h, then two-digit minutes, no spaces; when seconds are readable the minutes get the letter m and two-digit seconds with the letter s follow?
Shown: 8h13m07s
